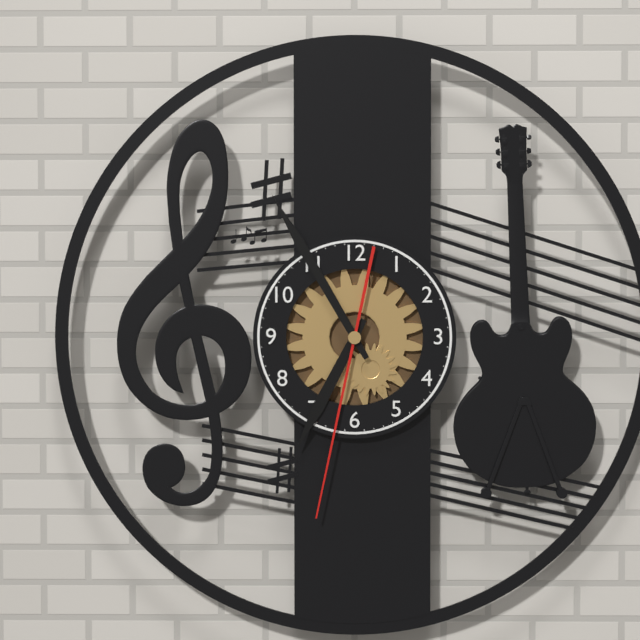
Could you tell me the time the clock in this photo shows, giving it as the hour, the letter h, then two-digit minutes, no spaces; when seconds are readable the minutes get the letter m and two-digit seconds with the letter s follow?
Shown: 6h55m32s
